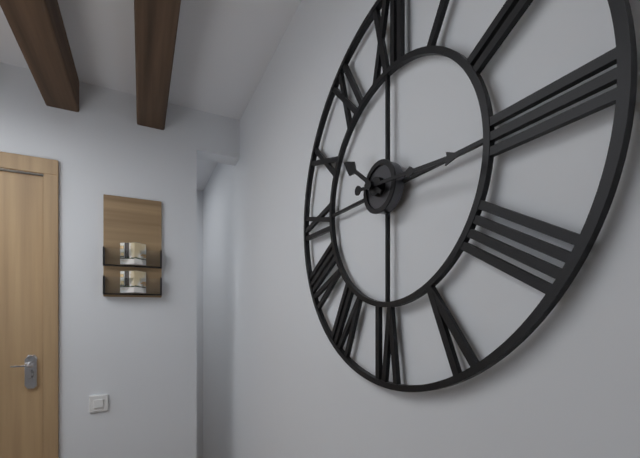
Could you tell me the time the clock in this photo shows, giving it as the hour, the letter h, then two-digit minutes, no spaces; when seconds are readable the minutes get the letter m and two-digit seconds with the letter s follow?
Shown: 10h16
